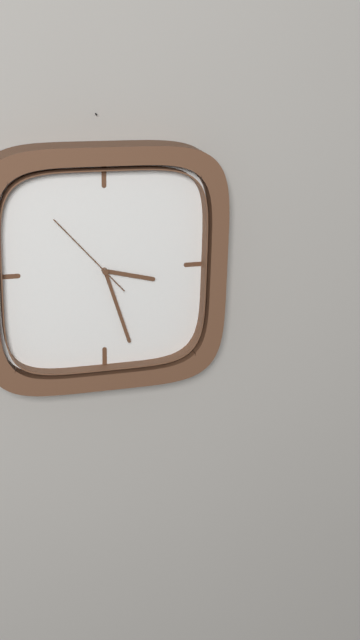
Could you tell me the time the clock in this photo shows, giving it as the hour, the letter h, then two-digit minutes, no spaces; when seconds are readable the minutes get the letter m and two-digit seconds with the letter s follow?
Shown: 3h27m53s
